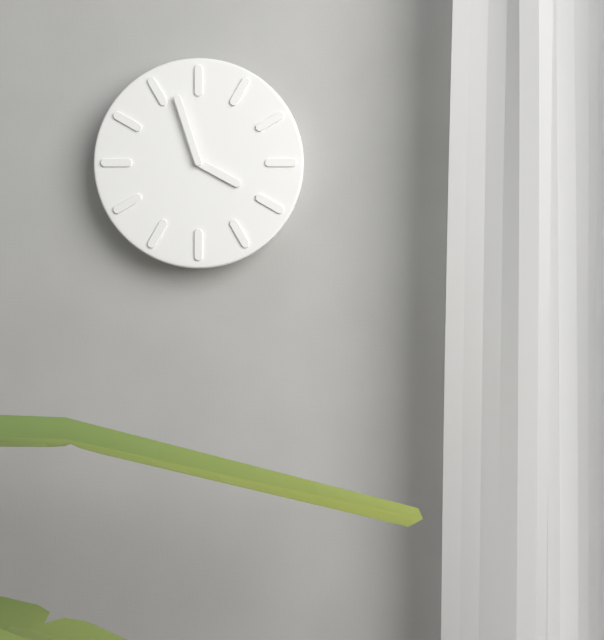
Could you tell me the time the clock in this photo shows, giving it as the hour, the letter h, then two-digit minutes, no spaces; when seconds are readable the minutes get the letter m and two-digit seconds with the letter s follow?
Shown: 3h57
